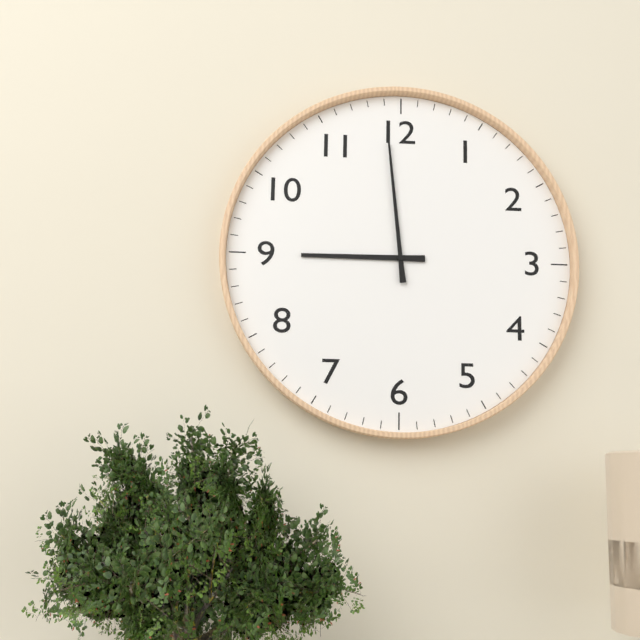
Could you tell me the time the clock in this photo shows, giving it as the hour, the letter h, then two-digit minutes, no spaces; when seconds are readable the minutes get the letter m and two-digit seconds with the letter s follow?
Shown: 8h59
